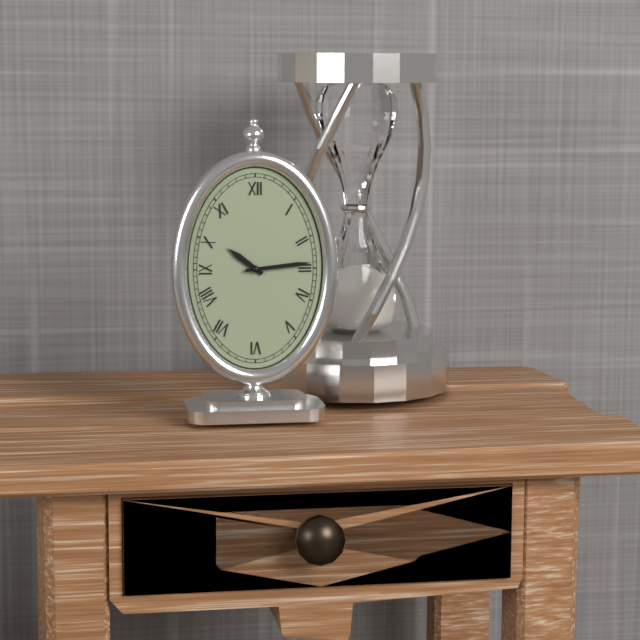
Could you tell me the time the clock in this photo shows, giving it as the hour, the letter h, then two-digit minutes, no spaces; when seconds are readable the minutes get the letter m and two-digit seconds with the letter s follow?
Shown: 10h14
